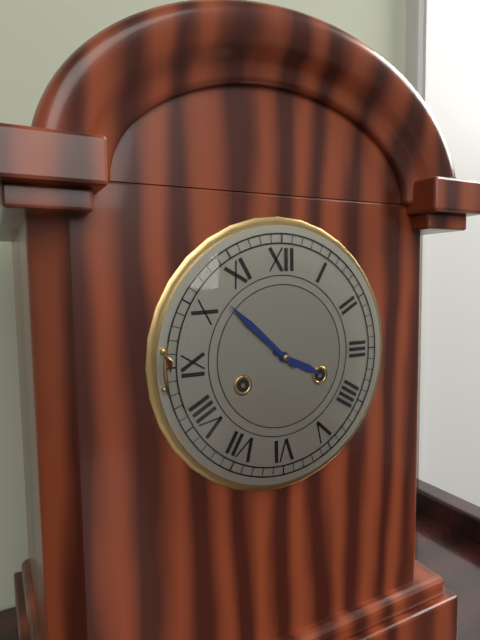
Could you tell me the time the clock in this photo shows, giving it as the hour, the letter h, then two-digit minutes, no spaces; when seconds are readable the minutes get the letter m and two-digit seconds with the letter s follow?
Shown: 3h52
